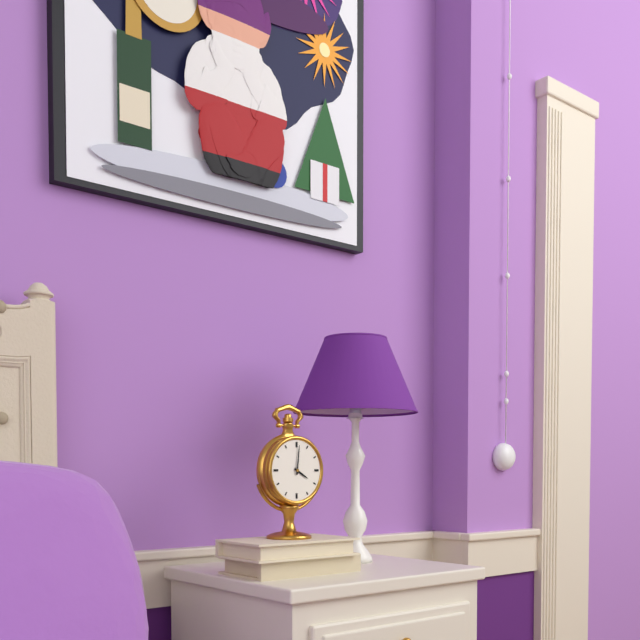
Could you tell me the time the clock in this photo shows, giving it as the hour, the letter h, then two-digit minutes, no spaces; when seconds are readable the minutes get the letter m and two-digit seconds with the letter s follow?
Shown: 4h01
